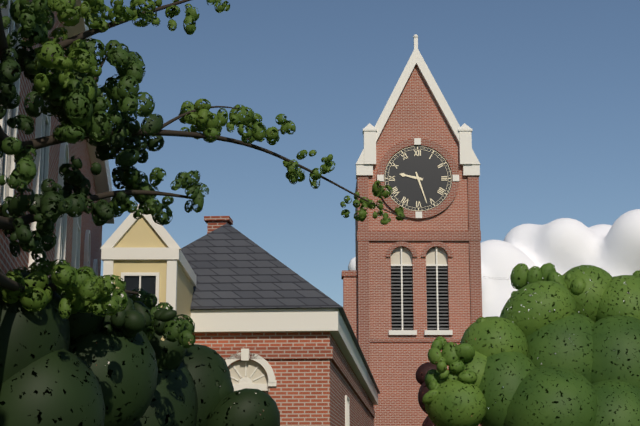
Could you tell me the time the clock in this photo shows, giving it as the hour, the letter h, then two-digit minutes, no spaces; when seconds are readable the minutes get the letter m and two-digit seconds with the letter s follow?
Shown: 9h27
